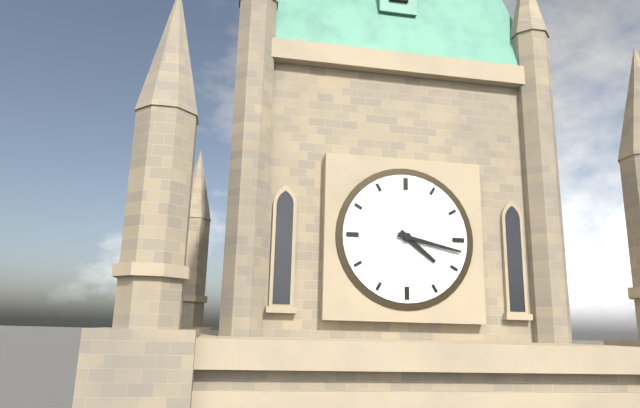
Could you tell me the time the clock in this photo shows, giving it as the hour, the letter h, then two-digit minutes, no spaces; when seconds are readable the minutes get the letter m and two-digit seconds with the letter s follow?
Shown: 4h17
